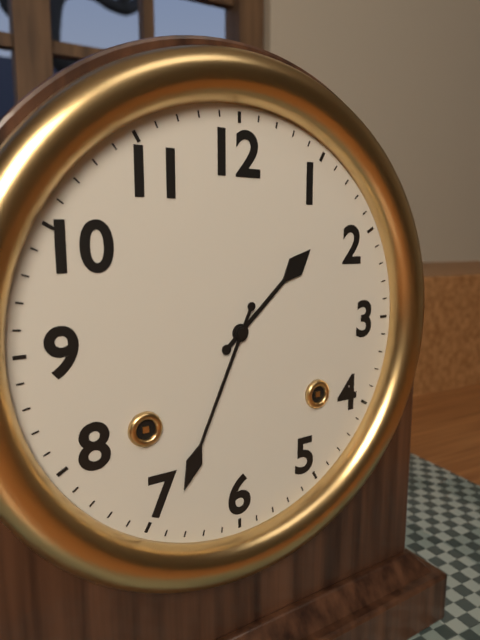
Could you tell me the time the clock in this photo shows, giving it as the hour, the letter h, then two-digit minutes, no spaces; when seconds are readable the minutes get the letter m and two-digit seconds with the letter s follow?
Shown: 1h34
